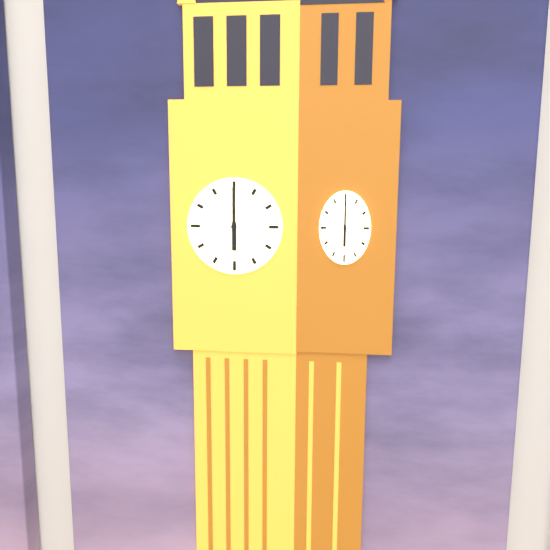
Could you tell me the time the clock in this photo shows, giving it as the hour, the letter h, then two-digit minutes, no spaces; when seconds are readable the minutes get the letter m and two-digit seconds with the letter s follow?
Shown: 6h00
